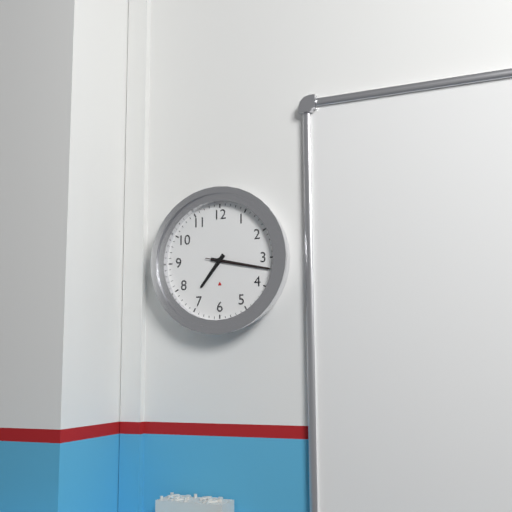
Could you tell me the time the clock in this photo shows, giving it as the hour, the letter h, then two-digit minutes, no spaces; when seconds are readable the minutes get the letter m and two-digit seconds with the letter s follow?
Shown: 7h17m17s
